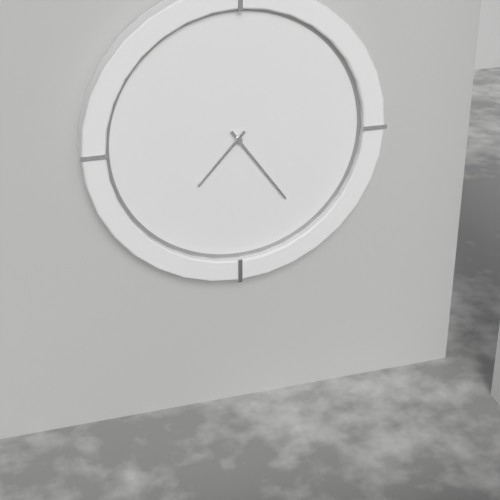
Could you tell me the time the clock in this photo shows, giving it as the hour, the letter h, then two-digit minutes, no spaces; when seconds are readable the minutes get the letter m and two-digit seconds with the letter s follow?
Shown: 7h24
